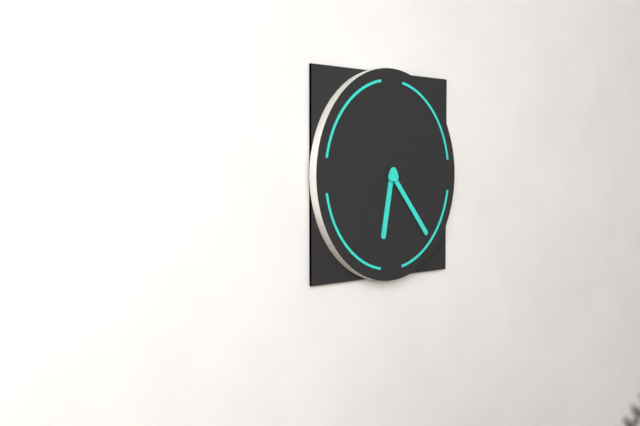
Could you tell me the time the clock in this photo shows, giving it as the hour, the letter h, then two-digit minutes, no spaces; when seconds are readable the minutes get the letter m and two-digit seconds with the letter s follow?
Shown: 6h23
